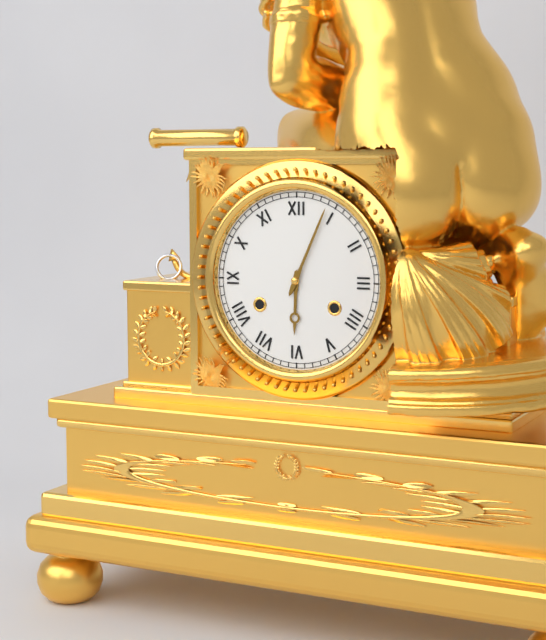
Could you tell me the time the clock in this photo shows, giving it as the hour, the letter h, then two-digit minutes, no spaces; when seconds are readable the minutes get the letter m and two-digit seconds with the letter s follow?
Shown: 6h04
